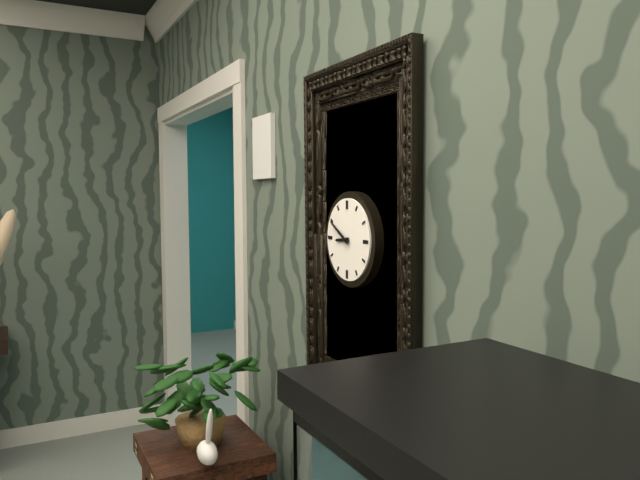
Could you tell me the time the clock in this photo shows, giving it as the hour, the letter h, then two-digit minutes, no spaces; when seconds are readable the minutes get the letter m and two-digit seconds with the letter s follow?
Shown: 8h50
